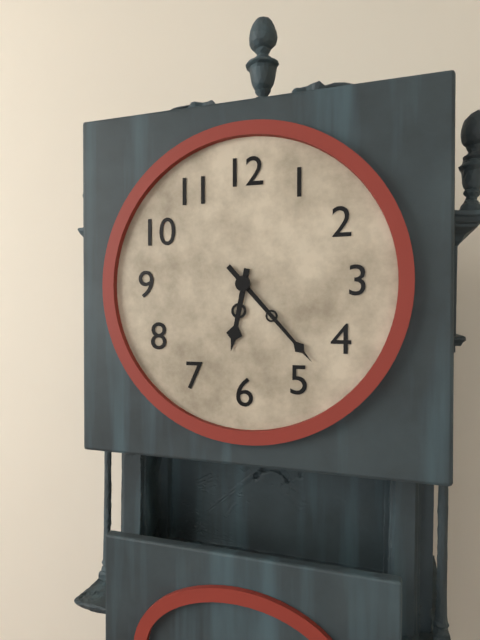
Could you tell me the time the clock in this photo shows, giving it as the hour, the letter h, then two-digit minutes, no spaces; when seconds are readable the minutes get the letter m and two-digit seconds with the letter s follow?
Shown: 6h23
